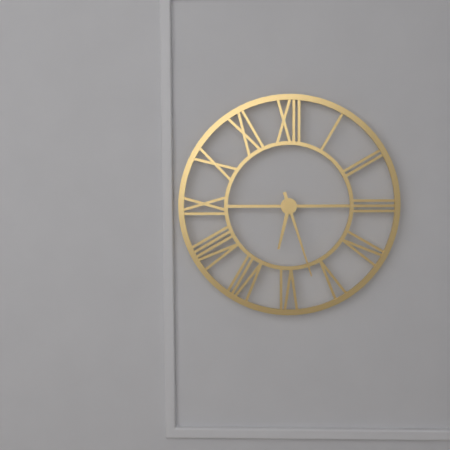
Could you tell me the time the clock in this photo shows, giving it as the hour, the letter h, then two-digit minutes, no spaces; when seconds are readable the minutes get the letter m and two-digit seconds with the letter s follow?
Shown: 6h27
